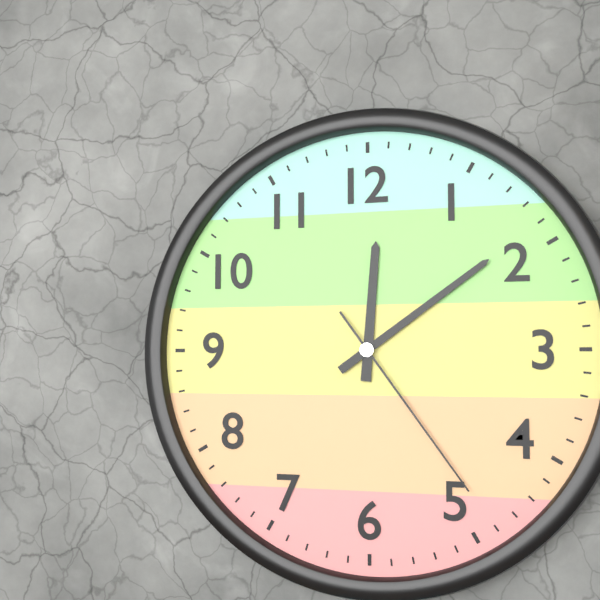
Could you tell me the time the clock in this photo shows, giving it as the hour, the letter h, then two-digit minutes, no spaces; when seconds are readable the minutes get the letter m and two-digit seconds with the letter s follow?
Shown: 12h09m24s
